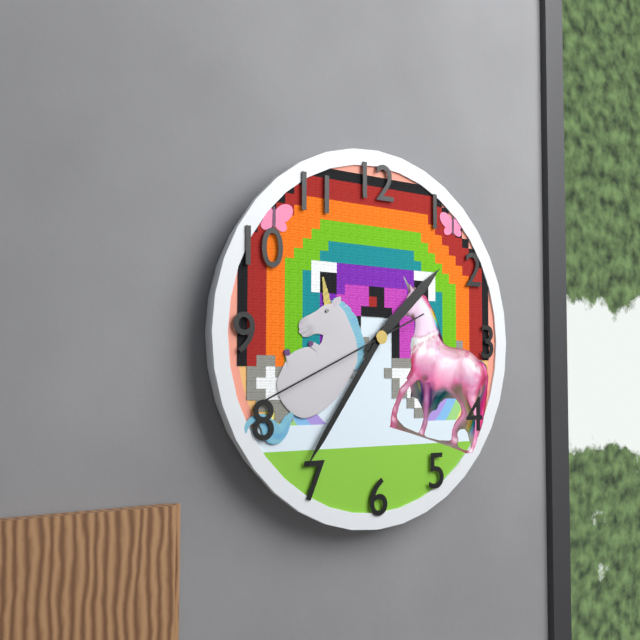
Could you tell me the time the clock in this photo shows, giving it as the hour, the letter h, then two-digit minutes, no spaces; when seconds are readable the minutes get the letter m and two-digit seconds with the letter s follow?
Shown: 1h36m41s
